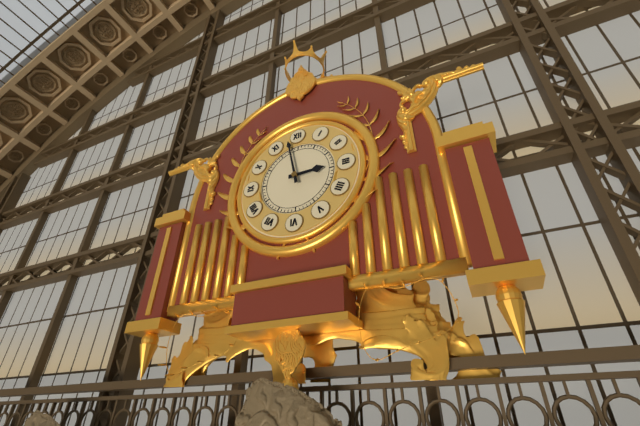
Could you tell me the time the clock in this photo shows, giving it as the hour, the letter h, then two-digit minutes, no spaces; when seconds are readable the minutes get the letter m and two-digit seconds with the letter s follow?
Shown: 2h58
